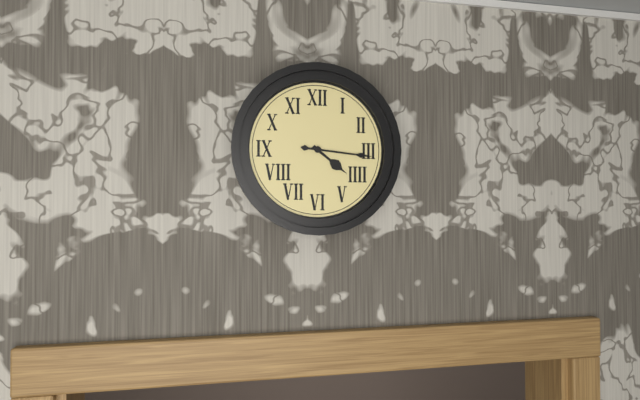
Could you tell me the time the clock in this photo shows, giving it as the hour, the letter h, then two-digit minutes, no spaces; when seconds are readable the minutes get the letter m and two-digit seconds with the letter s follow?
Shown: 4h16
